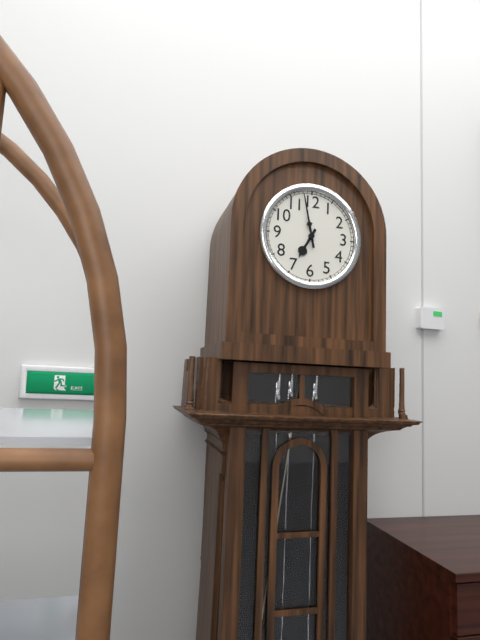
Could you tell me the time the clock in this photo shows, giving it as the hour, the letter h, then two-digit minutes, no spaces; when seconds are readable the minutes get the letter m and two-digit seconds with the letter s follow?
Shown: 6h58
